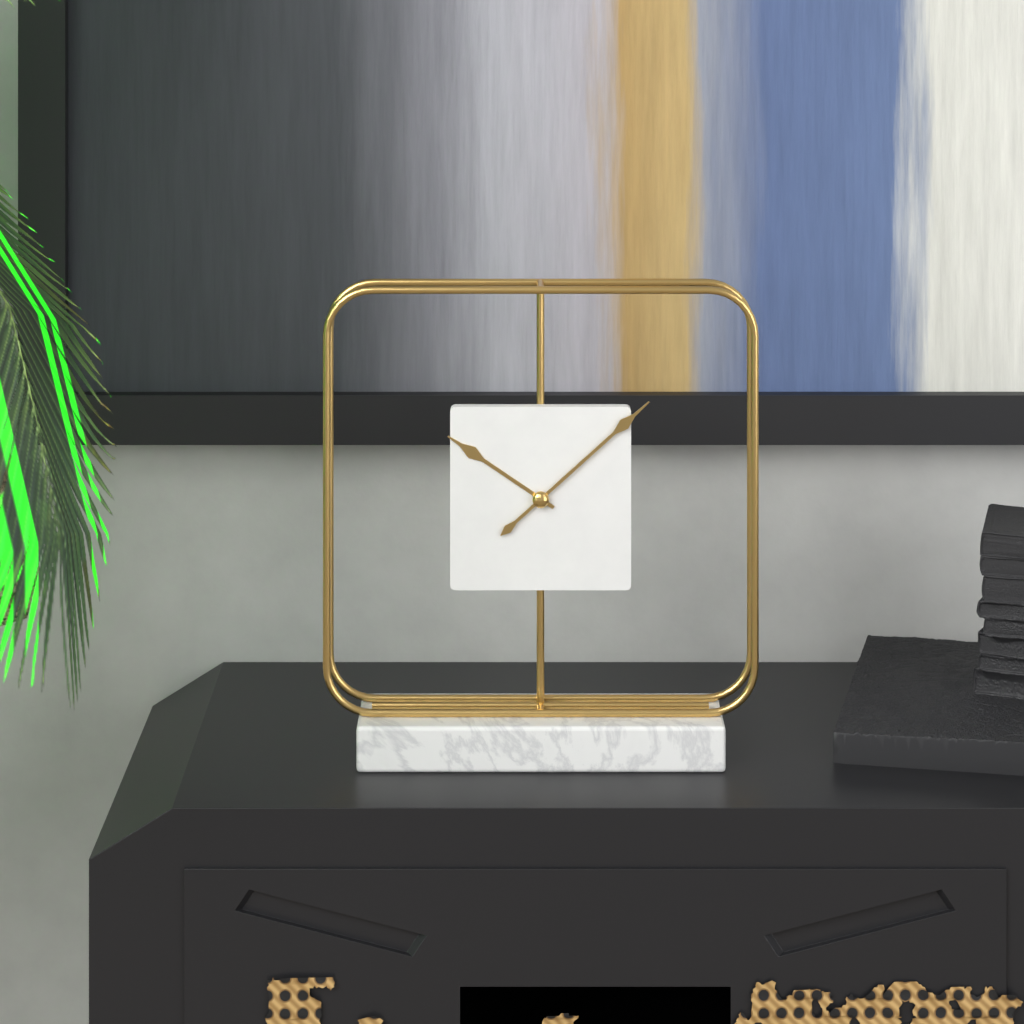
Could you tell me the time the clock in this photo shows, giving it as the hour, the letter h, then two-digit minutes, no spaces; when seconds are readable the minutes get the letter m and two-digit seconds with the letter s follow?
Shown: 10h08
